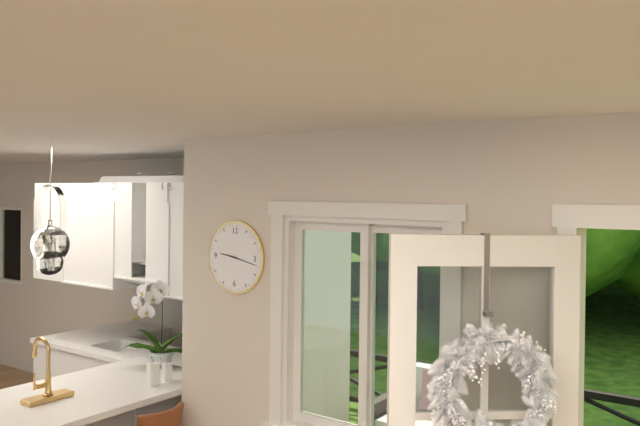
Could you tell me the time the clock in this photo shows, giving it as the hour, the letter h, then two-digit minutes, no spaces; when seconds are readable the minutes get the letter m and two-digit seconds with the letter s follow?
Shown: 9h17
